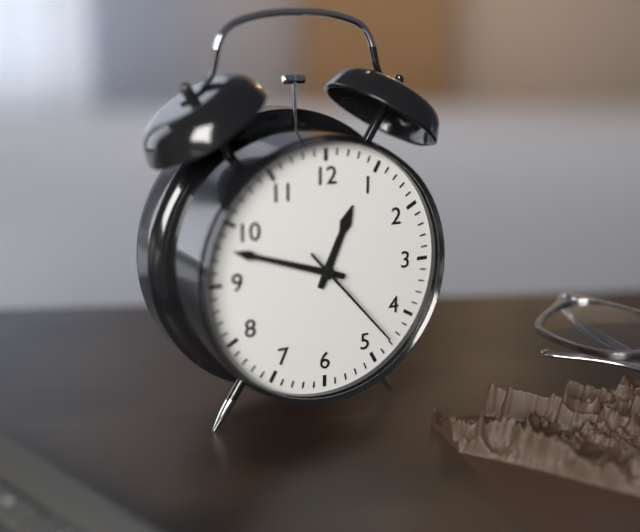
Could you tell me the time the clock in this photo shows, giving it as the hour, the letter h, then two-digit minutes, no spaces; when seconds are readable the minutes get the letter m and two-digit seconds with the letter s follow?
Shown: 12h48m23s
